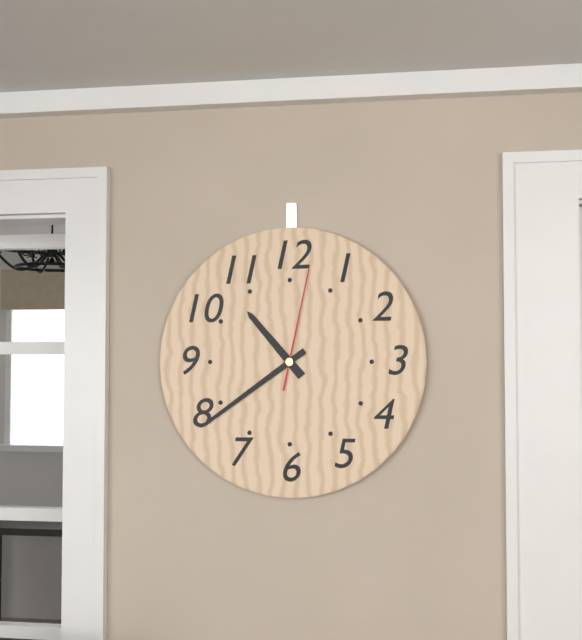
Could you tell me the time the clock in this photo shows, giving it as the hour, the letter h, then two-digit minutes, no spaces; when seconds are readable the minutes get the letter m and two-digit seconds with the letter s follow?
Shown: 10h39m02s
